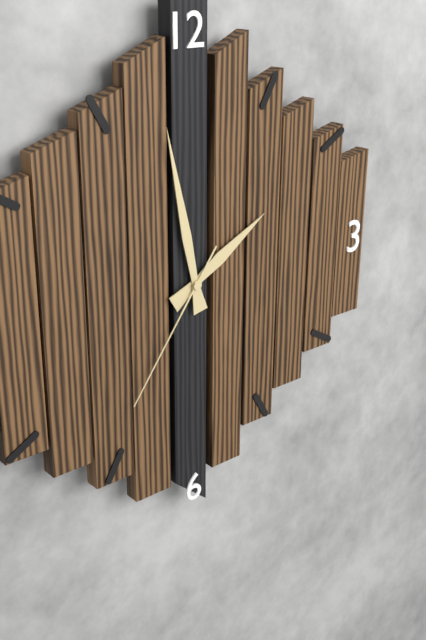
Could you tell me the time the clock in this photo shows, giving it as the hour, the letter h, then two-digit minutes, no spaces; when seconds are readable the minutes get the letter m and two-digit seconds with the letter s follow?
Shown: 1h58m36s
